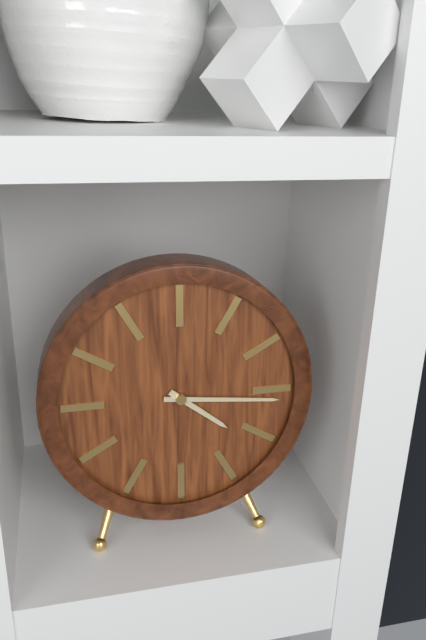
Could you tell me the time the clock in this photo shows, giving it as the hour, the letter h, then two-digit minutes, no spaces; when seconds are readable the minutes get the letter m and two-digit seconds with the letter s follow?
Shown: 4h16
